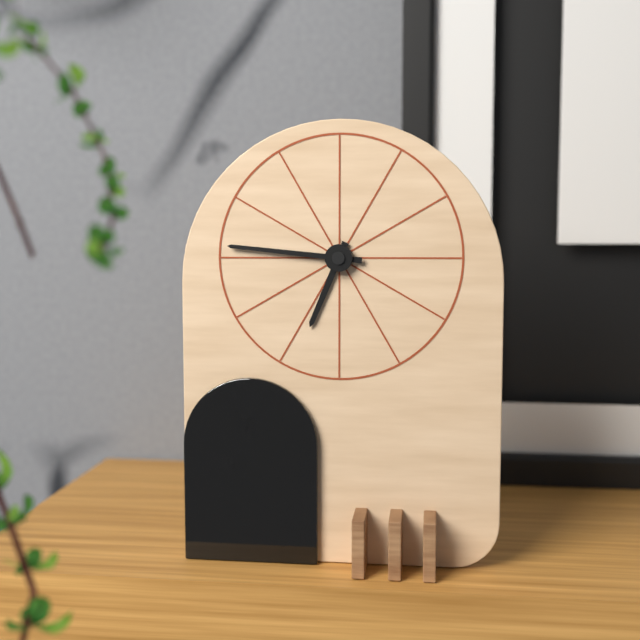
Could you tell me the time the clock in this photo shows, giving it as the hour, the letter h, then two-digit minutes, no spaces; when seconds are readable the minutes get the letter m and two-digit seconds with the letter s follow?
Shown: 6h46
